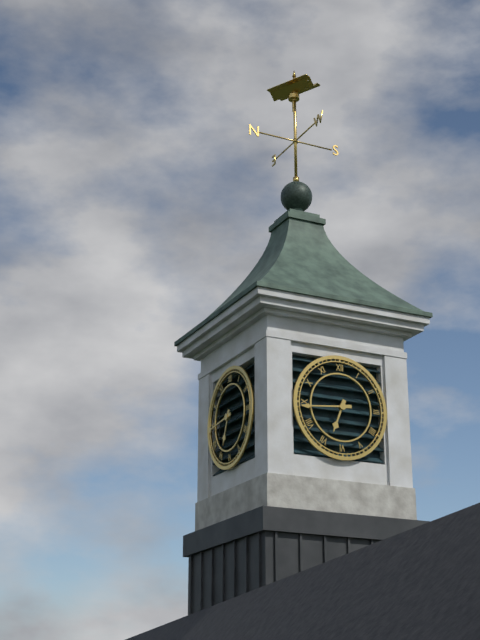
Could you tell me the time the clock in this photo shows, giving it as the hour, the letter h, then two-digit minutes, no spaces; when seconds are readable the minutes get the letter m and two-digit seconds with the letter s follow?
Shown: 6h44
